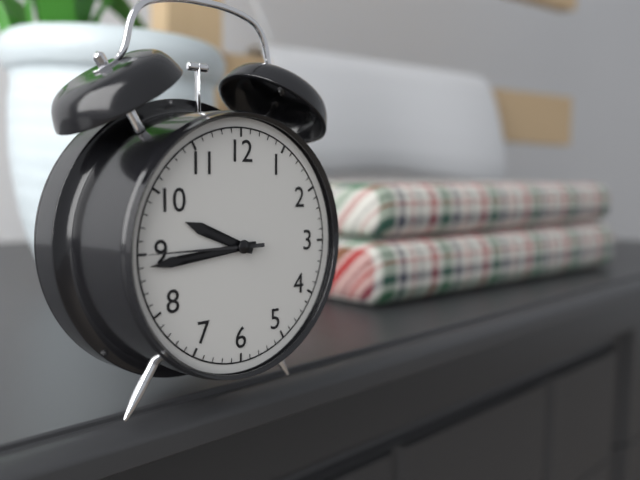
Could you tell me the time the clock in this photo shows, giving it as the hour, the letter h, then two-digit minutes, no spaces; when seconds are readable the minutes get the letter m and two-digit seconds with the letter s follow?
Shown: 9h44m45s
